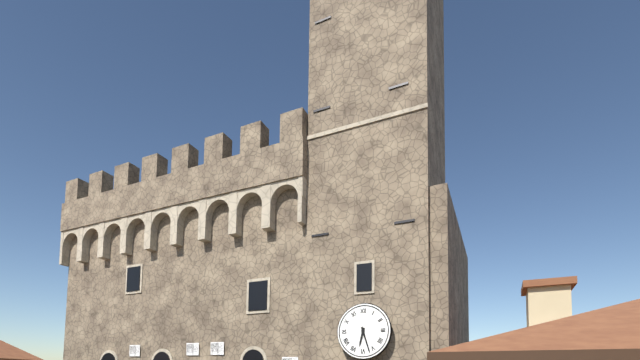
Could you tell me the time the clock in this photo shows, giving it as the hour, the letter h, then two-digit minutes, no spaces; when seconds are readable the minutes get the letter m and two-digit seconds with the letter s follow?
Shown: 6h27
